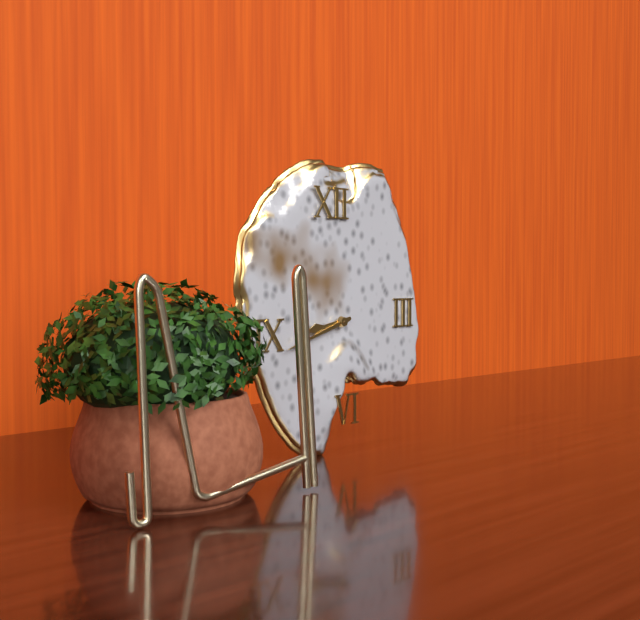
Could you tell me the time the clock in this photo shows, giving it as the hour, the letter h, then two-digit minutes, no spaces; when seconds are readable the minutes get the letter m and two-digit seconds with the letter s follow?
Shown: 8h42
